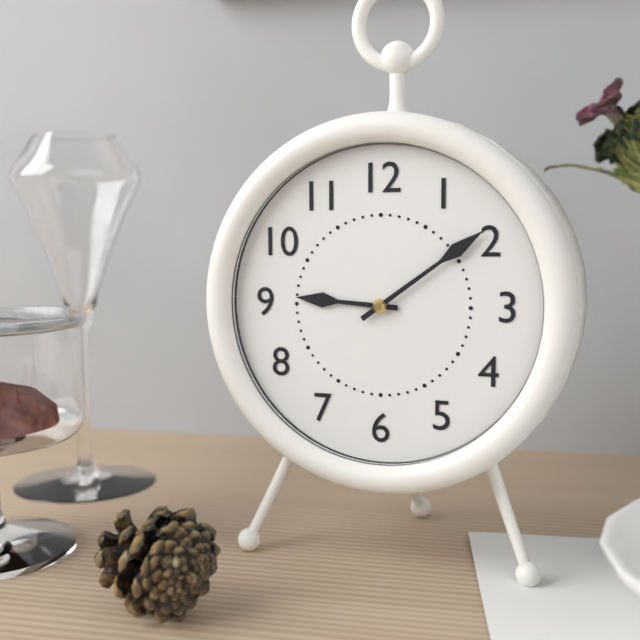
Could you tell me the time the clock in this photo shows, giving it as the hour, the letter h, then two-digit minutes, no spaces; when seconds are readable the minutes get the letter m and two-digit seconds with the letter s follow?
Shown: 9h09
